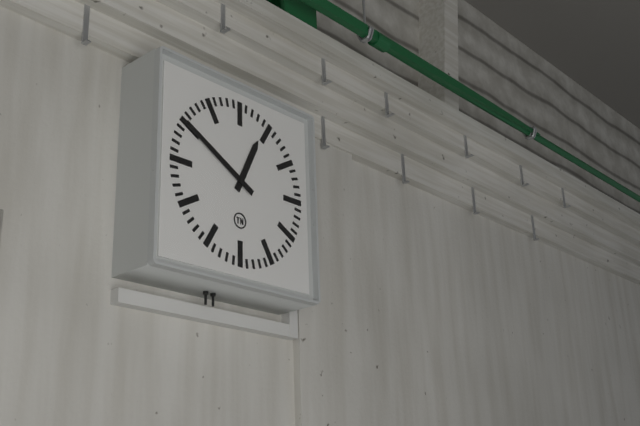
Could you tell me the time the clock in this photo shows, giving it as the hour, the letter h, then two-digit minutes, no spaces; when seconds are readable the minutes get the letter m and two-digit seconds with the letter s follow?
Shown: 12h50
